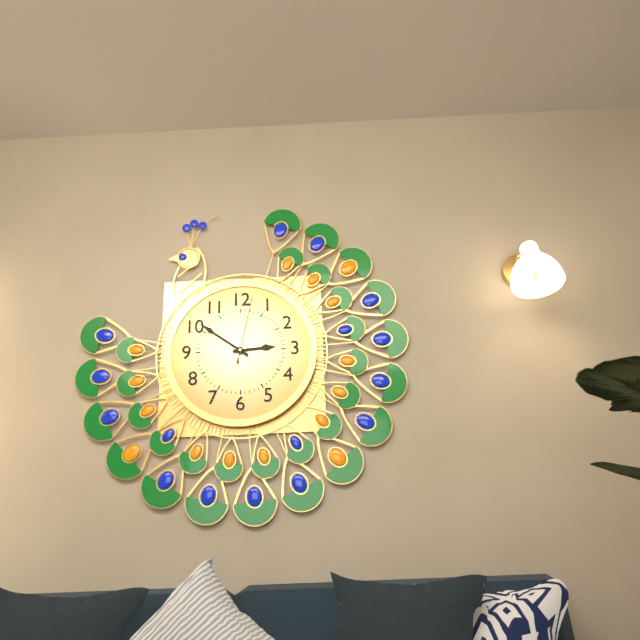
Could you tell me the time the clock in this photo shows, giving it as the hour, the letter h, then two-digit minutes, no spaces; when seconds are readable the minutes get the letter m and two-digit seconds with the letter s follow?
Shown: 2h51m02s
